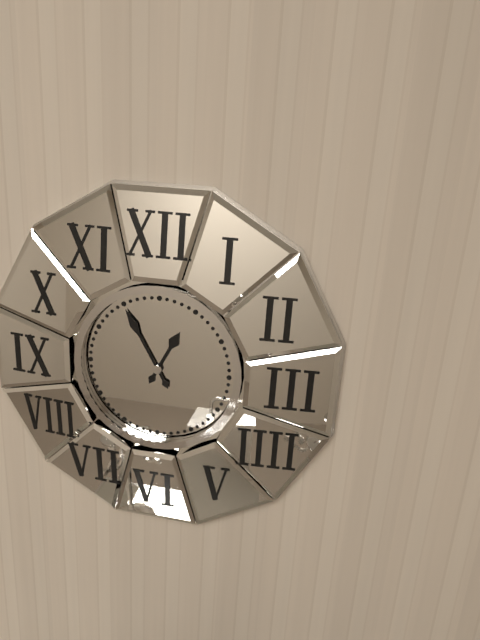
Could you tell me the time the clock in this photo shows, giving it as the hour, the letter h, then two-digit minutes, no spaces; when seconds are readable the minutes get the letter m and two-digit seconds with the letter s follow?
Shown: 12h55
